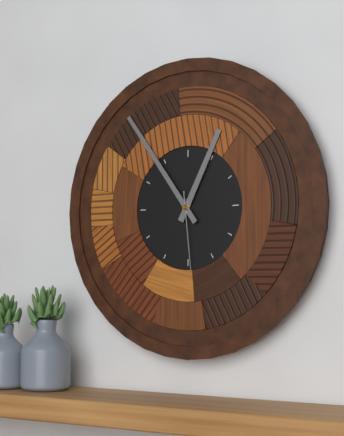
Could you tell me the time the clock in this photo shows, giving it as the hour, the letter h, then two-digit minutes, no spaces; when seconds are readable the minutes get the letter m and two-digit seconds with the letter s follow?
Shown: 12h54m29s
